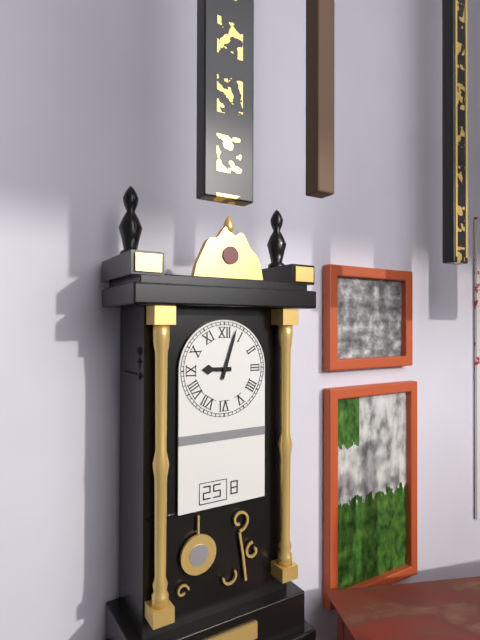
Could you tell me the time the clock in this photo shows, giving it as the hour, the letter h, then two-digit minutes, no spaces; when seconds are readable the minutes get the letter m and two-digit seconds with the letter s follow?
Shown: 9h03
